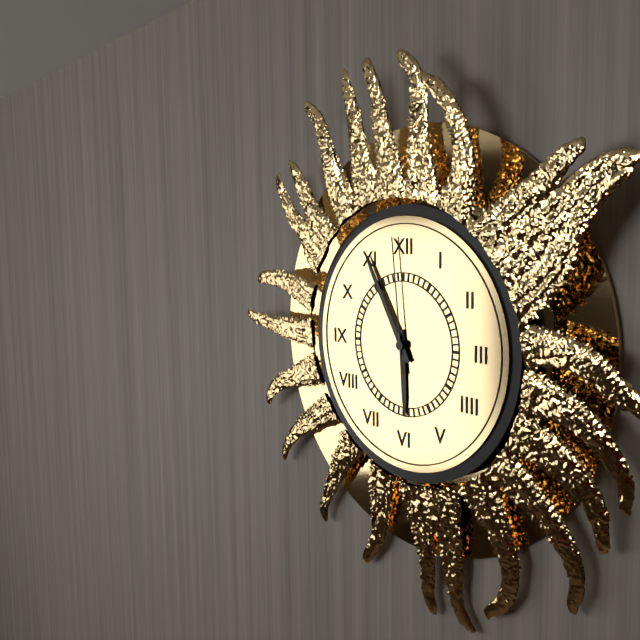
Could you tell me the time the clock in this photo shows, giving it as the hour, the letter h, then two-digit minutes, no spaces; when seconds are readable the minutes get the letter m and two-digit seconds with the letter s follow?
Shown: 5h55m59s
